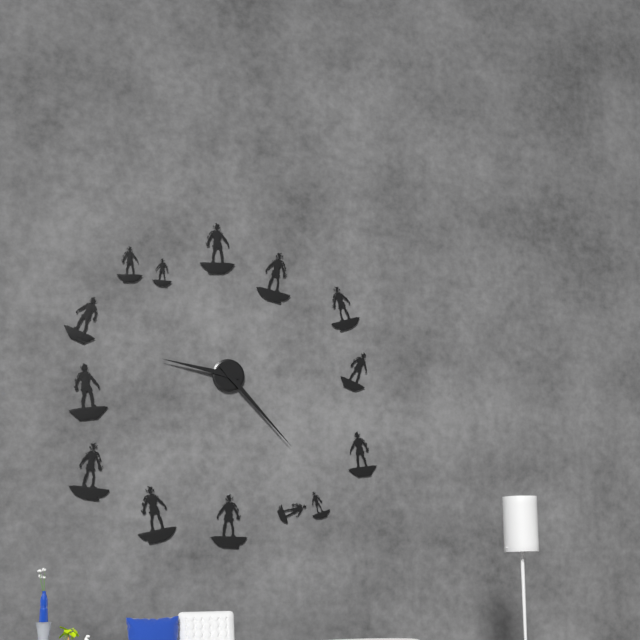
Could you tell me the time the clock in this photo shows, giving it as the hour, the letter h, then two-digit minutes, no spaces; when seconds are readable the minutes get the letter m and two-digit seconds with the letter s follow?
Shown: 9h23
